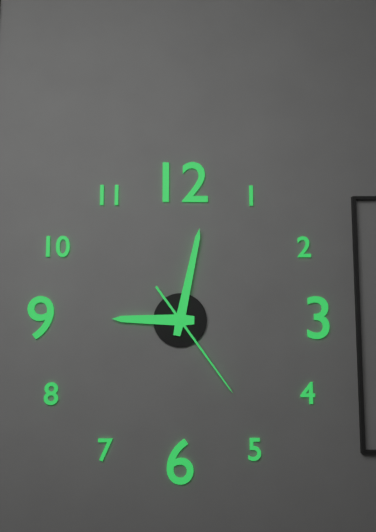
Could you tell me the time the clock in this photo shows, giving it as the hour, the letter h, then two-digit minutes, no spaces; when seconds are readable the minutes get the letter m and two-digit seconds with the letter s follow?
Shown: 9h02m24s
